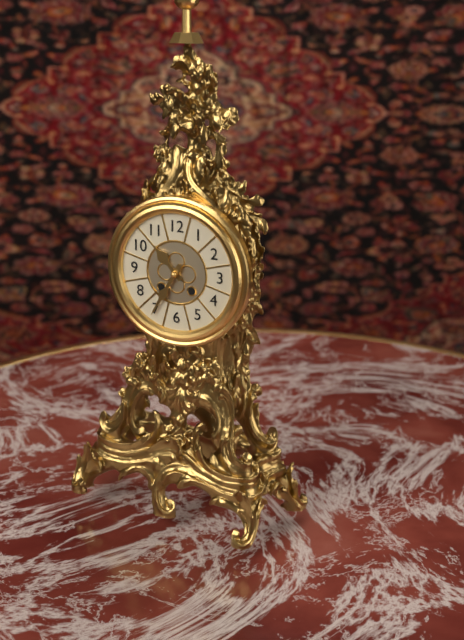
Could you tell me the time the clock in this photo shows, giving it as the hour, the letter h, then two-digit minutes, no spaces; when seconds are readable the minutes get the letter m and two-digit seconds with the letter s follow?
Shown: 10h35
